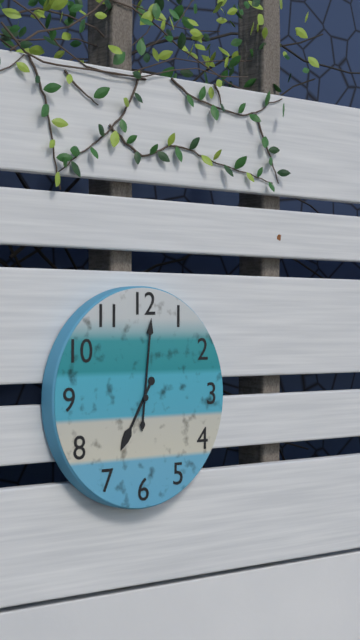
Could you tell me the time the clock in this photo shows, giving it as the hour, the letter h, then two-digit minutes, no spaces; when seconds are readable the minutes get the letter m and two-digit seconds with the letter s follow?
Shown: 7h01
